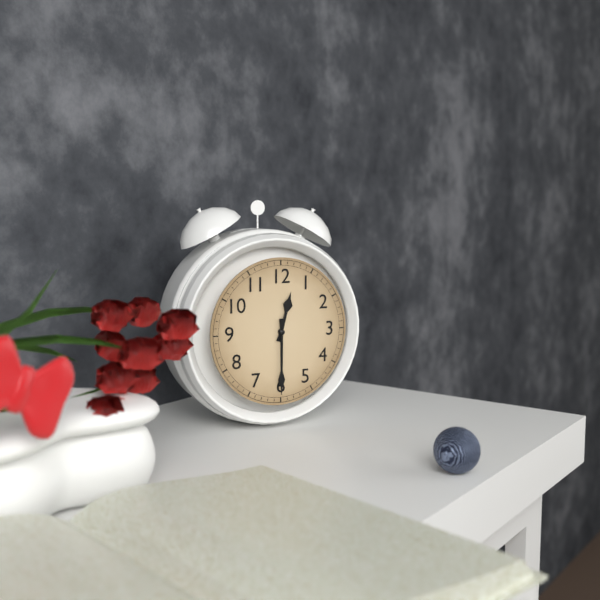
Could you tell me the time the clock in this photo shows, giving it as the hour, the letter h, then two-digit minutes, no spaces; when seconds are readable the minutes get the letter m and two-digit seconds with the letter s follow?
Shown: 12h30
